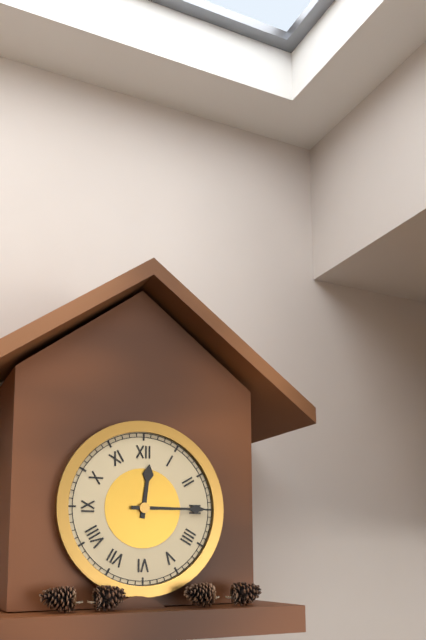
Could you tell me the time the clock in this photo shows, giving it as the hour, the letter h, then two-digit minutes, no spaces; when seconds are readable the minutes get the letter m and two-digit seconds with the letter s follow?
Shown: 12h15
